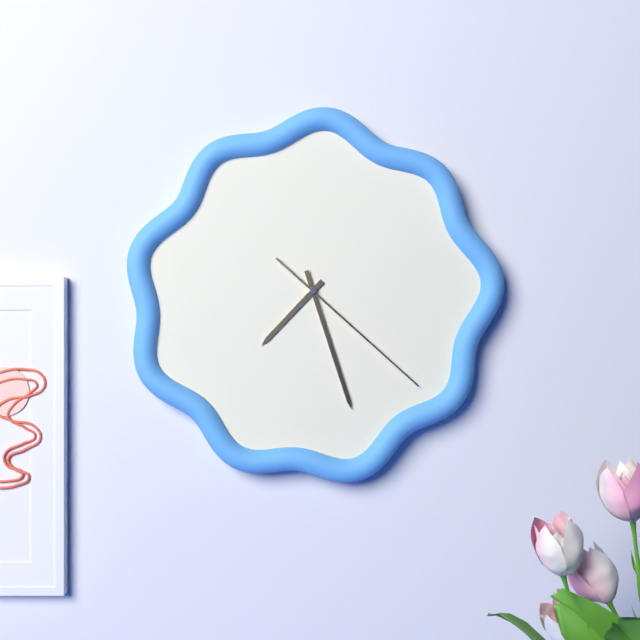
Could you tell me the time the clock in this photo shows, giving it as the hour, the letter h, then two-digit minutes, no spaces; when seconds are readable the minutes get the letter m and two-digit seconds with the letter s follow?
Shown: 7h27m22s
